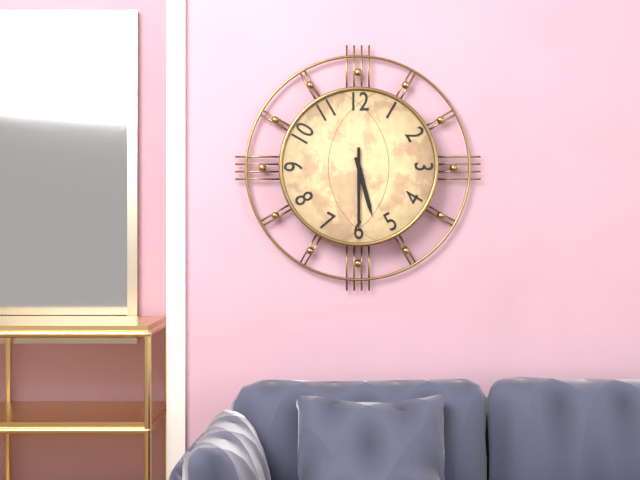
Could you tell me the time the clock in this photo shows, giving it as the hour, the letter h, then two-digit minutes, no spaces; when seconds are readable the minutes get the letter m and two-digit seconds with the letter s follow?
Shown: 5h30
